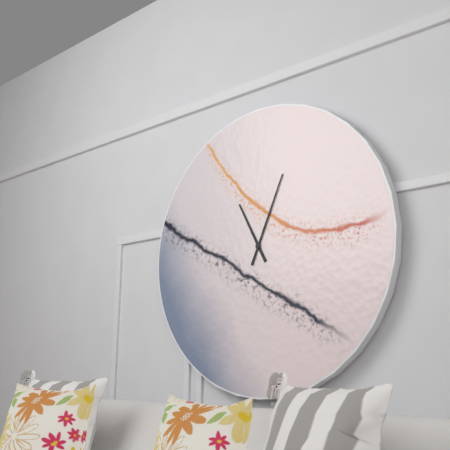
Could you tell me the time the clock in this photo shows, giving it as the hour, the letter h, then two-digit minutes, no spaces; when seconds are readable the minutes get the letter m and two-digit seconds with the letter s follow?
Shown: 11h04
